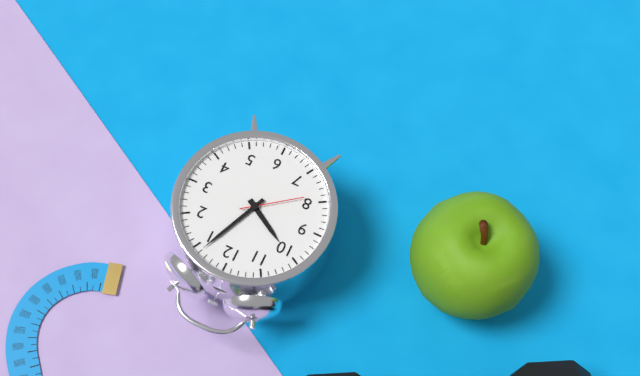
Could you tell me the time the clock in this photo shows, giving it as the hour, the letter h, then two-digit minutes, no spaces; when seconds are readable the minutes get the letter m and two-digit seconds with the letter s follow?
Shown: 10h04m39s
